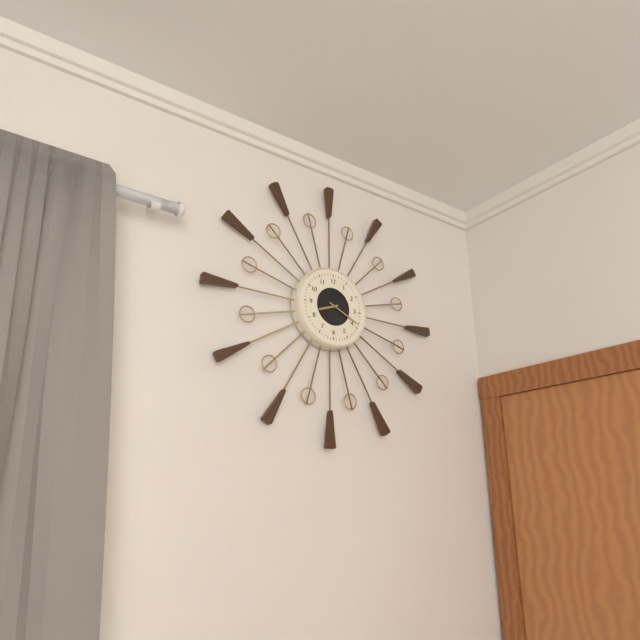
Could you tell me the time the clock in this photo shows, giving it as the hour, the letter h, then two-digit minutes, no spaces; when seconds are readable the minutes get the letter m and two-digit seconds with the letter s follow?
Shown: 8h19
